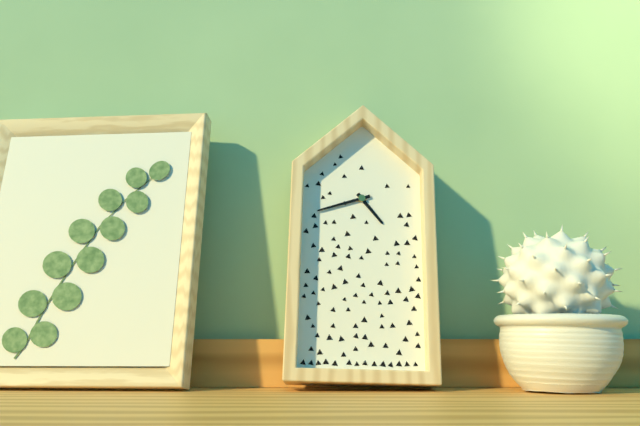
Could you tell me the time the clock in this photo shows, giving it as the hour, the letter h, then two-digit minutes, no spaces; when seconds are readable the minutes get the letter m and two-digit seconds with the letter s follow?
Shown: 4h42
